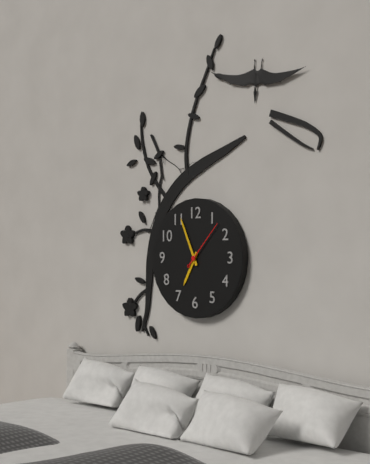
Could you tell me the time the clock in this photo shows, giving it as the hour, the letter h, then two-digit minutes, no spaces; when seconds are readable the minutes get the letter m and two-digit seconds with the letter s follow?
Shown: 6h56m07s
